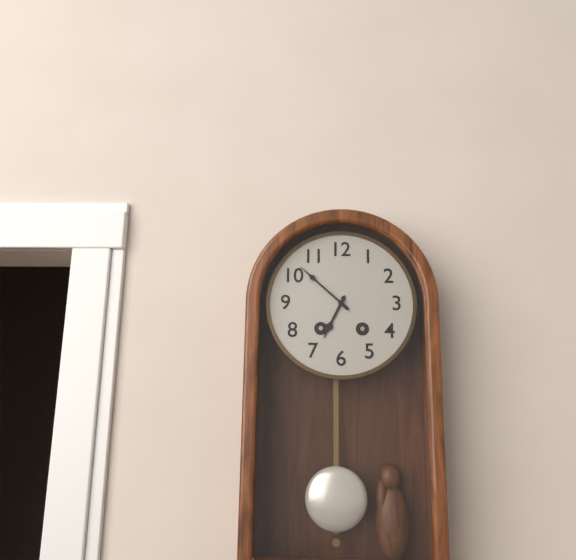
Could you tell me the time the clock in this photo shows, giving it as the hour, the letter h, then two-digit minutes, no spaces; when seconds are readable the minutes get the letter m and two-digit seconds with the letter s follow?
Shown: 6h52
